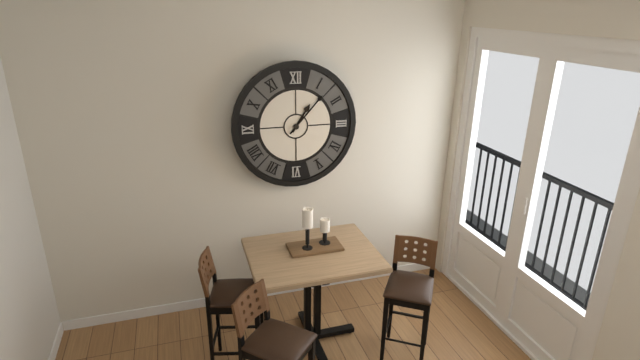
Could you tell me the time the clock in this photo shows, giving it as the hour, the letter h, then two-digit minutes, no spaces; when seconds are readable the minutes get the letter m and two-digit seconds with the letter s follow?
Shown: 1h07
